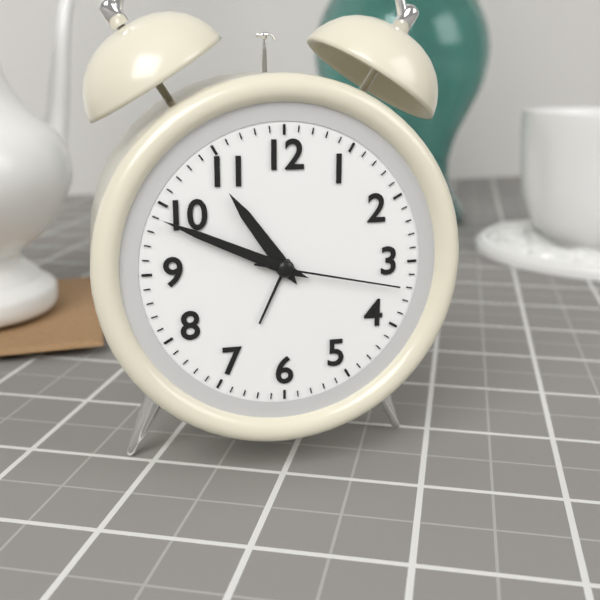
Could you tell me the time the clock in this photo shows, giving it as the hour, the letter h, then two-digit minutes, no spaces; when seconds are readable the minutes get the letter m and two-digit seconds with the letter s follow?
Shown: 10h49m17s
